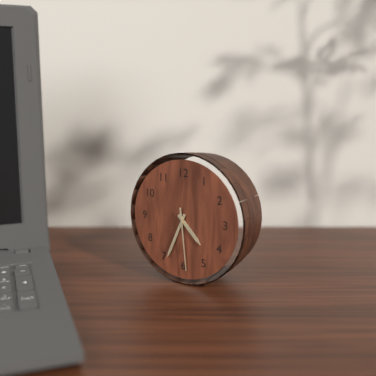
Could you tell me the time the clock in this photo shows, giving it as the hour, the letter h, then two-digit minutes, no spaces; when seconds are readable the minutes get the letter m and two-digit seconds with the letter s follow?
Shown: 4h34m29s
